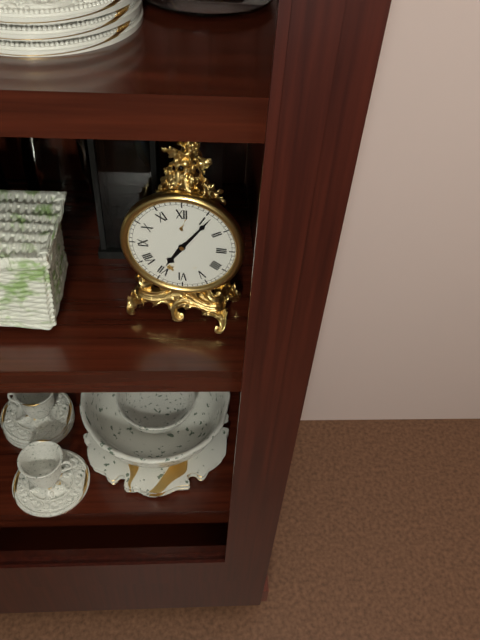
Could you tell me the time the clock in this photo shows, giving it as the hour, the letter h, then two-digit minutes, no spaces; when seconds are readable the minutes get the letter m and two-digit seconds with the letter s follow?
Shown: 7h06
